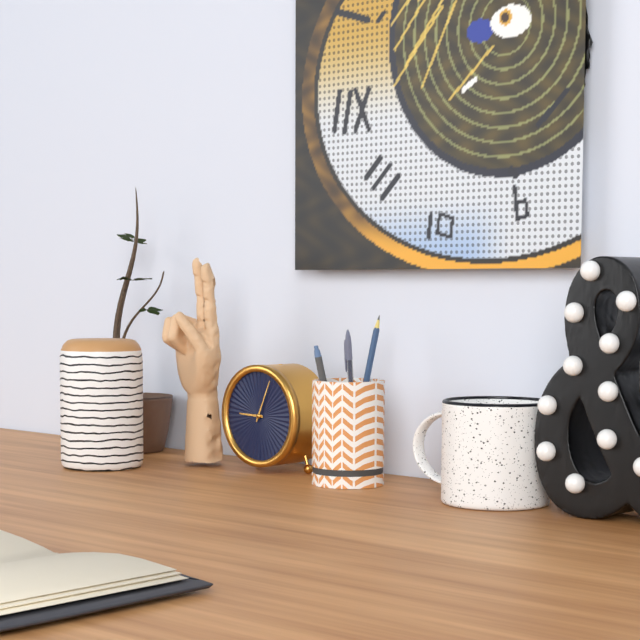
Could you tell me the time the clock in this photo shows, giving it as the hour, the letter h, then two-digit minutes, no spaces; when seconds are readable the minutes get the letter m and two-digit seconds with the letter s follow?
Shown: 9h04
